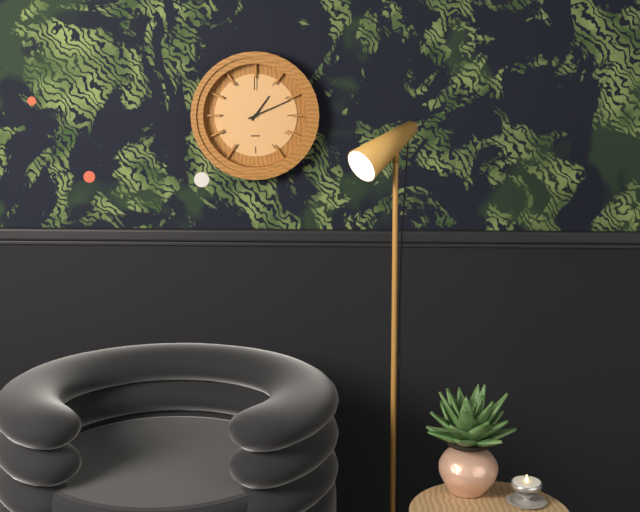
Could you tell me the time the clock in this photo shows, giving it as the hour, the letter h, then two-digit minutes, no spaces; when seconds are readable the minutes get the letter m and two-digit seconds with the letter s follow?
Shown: 1h11
